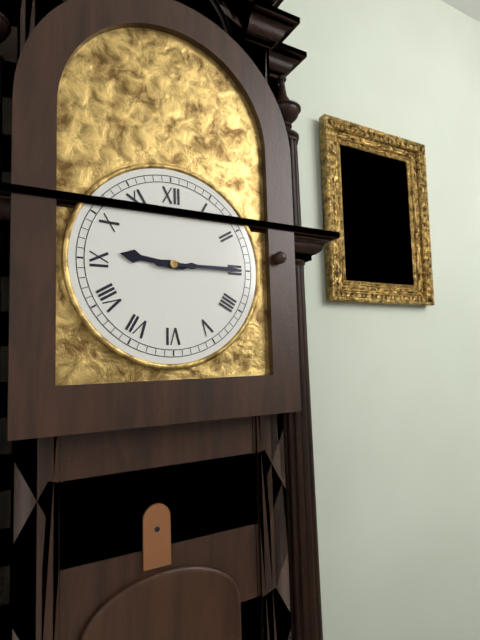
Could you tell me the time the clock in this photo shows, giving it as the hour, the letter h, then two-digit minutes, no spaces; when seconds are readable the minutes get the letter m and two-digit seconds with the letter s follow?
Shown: 9h15
